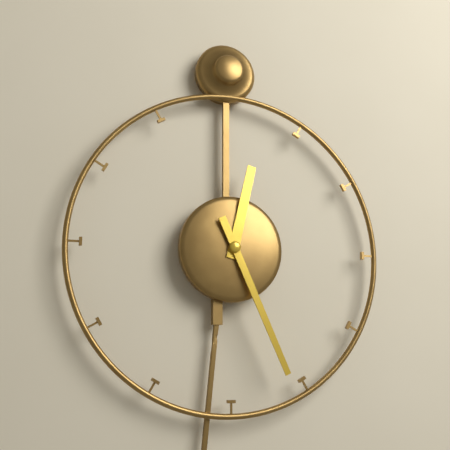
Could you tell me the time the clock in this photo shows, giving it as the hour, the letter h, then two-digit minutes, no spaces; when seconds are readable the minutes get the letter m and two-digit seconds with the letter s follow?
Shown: 12h26
